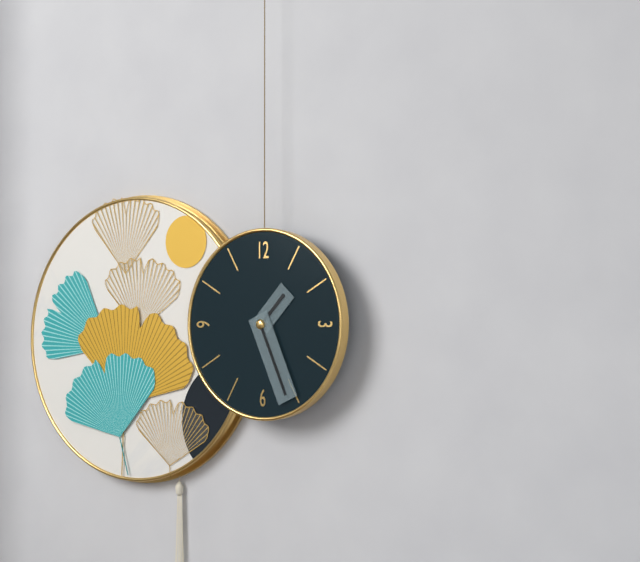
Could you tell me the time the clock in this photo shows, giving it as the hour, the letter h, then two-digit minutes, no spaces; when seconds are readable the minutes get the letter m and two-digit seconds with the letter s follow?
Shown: 1h26
